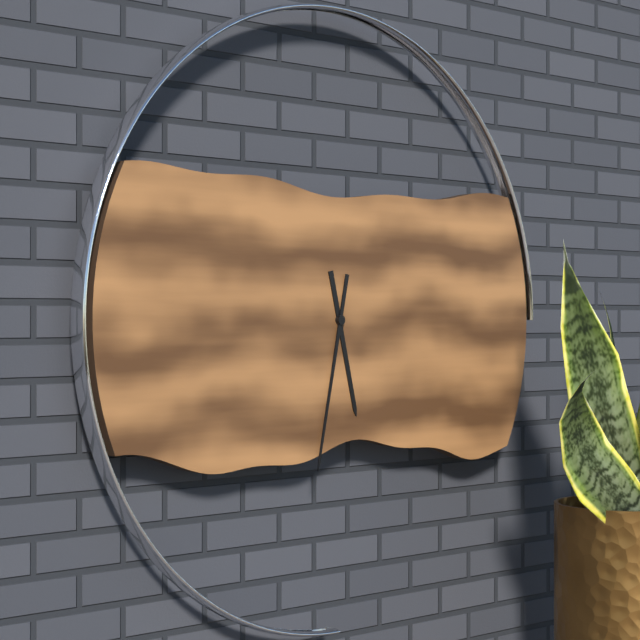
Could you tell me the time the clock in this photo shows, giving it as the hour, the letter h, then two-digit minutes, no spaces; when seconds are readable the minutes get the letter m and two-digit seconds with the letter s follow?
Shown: 5h32
